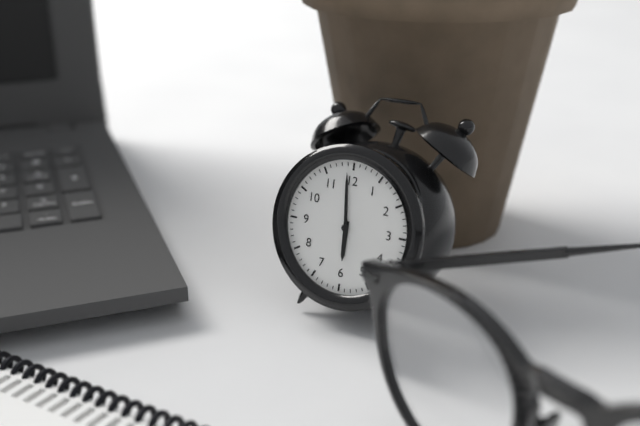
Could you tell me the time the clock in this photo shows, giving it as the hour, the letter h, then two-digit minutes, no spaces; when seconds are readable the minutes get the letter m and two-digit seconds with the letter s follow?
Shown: 5h59
